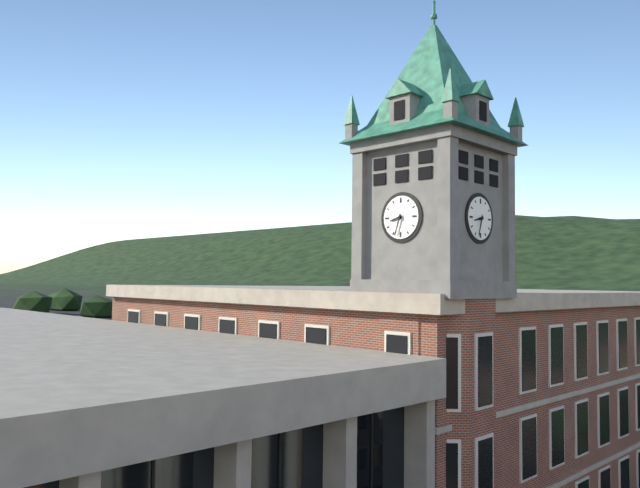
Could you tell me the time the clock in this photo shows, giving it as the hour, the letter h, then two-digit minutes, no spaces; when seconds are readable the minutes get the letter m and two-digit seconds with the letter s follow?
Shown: 8h33
